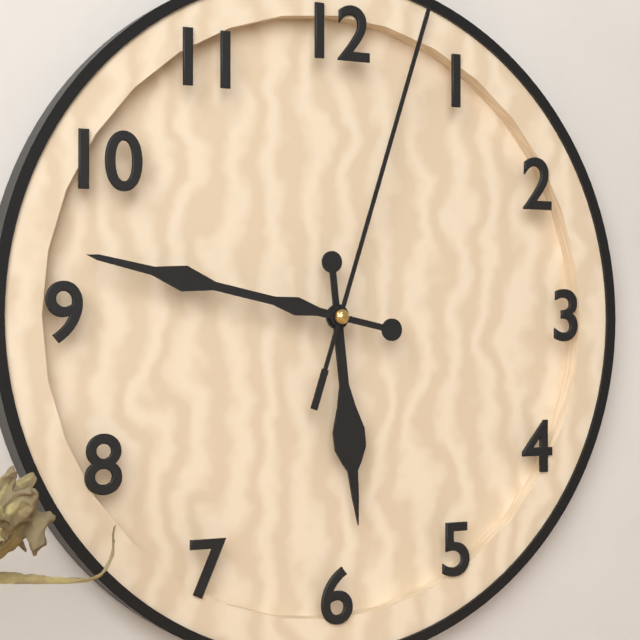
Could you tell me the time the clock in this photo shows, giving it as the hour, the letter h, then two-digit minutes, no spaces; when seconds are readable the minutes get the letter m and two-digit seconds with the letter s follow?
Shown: 5h47m03s
